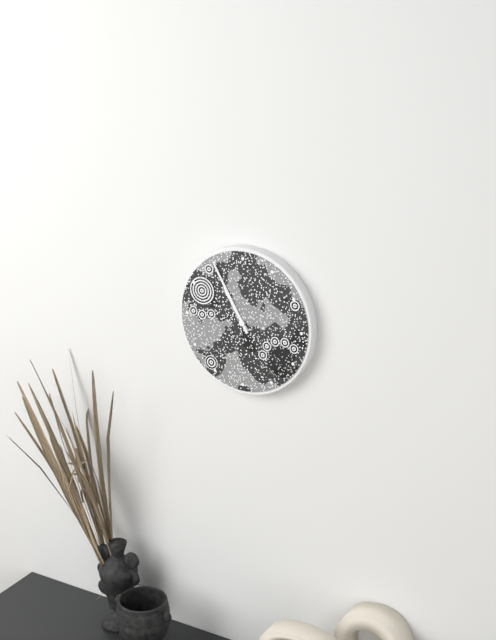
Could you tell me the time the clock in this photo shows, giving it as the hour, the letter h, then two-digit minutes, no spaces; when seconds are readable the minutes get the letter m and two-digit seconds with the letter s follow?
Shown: 10h55
